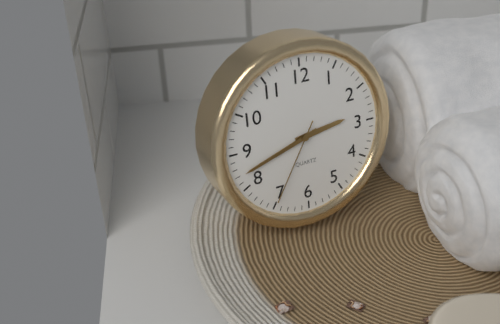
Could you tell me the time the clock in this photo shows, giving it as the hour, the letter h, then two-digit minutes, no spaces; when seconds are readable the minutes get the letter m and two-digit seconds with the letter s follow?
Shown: 2h42m35s
